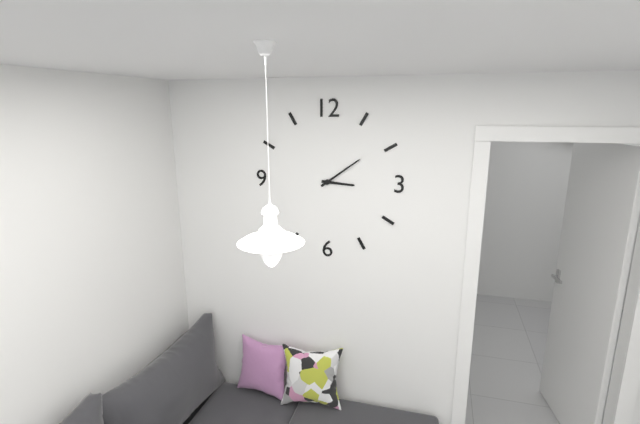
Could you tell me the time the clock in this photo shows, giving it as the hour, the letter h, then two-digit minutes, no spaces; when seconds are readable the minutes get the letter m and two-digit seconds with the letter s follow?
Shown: 3h09
